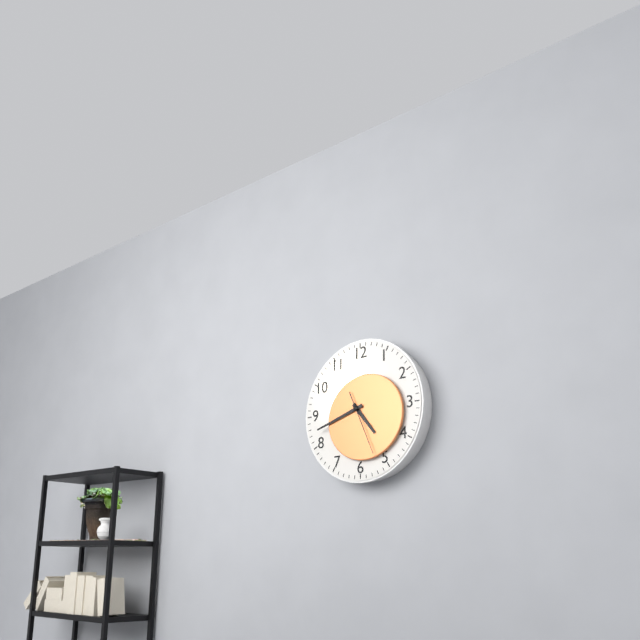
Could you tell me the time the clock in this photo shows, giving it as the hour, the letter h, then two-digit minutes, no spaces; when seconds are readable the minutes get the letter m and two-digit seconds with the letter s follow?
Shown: 4h42m26s
